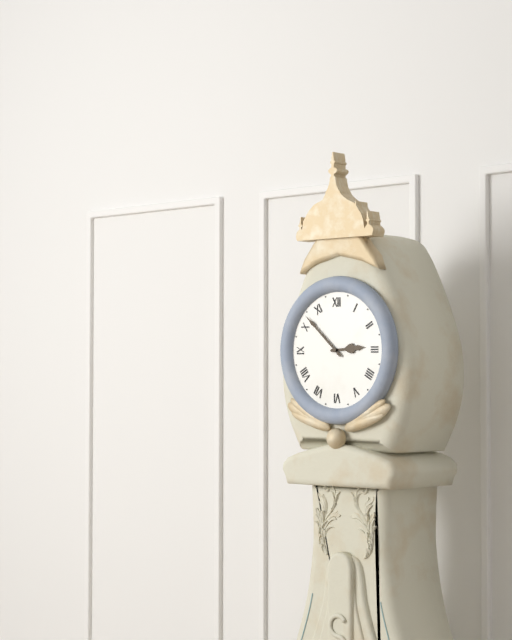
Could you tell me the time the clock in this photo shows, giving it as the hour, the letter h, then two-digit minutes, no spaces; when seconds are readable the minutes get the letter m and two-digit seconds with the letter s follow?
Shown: 2h52
